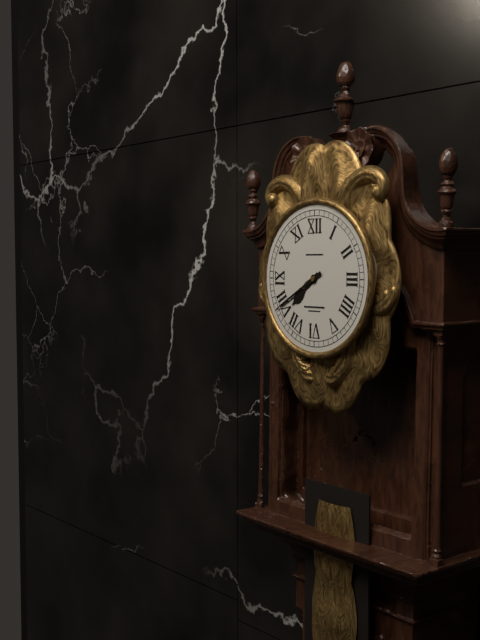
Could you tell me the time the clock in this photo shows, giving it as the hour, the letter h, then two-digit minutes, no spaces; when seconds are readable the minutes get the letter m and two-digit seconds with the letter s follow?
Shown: 7h40
